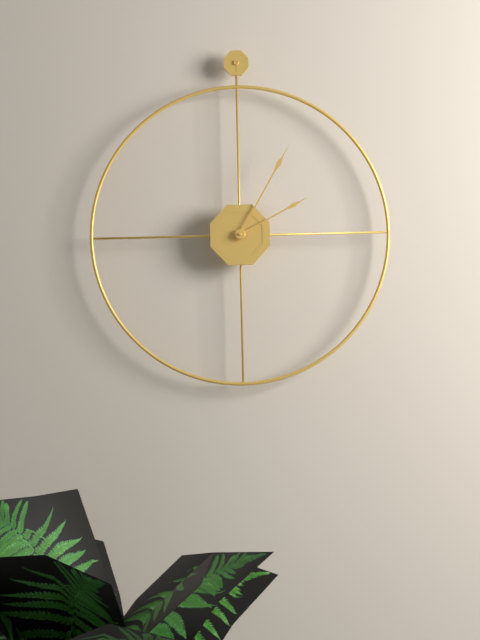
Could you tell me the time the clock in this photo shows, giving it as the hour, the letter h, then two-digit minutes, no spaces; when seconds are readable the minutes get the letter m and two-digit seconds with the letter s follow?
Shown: 2h05
